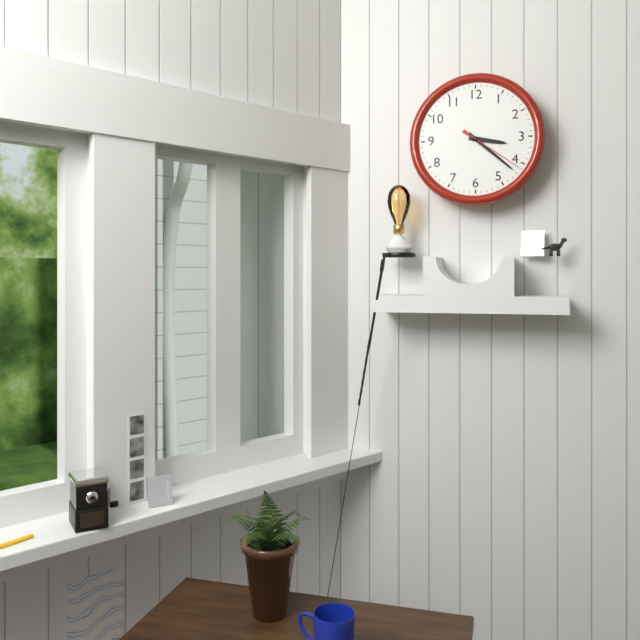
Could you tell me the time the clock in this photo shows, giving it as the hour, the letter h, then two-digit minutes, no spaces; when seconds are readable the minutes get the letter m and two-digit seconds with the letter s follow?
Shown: 3h22m21s
